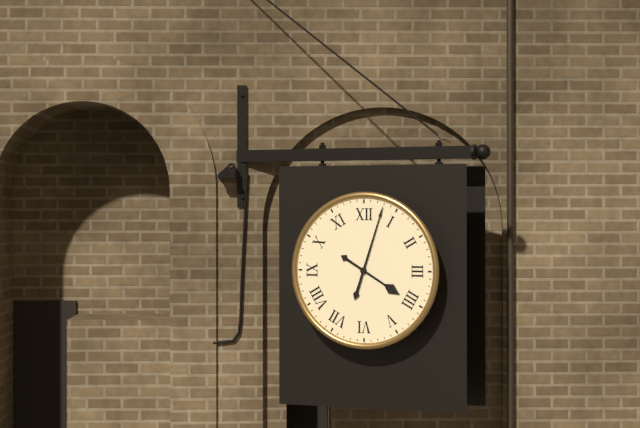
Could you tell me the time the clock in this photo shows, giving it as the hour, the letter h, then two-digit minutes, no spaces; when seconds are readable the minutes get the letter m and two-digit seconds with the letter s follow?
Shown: 4h03
